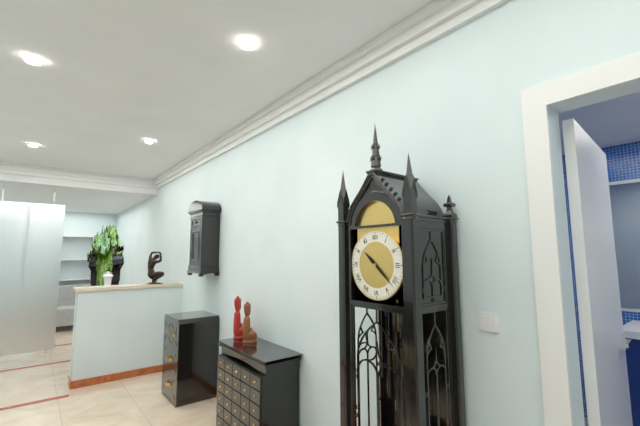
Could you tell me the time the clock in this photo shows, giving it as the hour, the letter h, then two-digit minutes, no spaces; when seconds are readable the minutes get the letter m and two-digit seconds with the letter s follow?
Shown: 10h22
